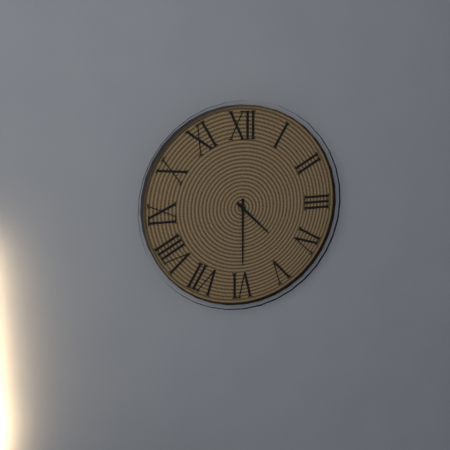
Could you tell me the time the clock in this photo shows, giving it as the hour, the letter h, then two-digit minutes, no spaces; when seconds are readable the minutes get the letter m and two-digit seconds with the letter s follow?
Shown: 4h30
